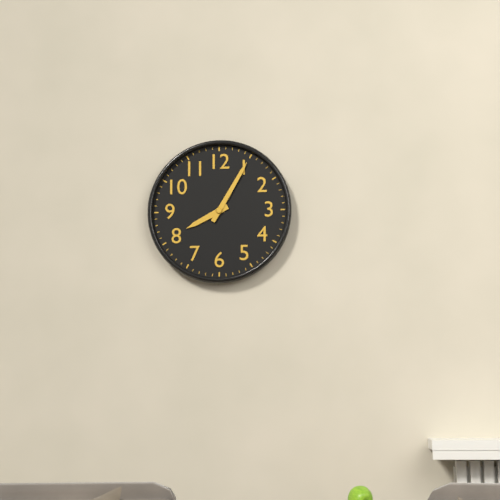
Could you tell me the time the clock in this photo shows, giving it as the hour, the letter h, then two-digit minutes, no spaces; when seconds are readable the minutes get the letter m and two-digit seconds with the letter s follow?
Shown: 8h05
